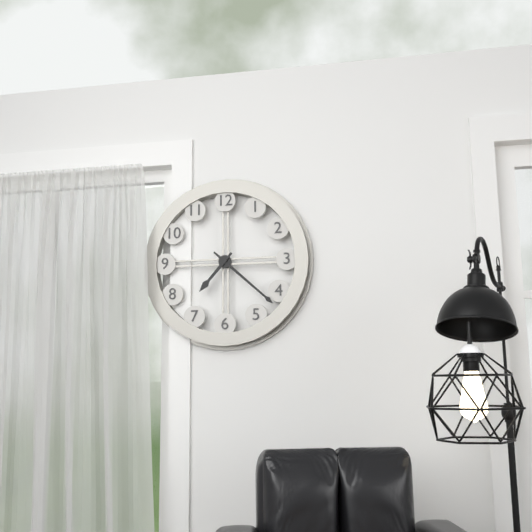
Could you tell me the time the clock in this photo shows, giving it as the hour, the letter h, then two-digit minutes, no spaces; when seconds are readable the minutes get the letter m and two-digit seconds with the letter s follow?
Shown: 7h22
